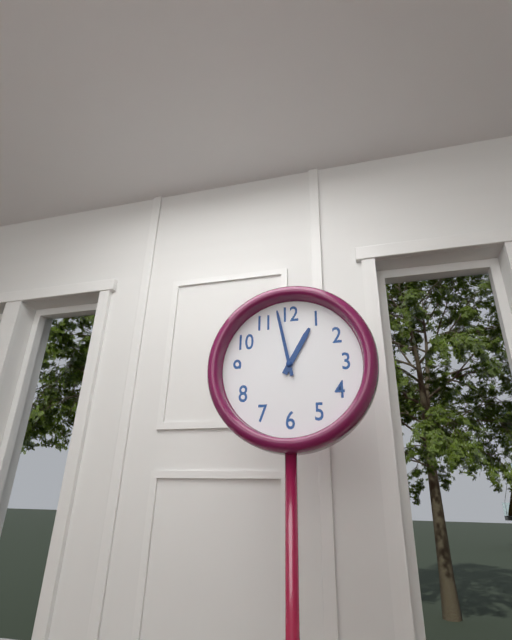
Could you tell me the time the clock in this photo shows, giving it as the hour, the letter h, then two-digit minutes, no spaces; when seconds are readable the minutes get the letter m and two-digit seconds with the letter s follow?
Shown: 12h58
